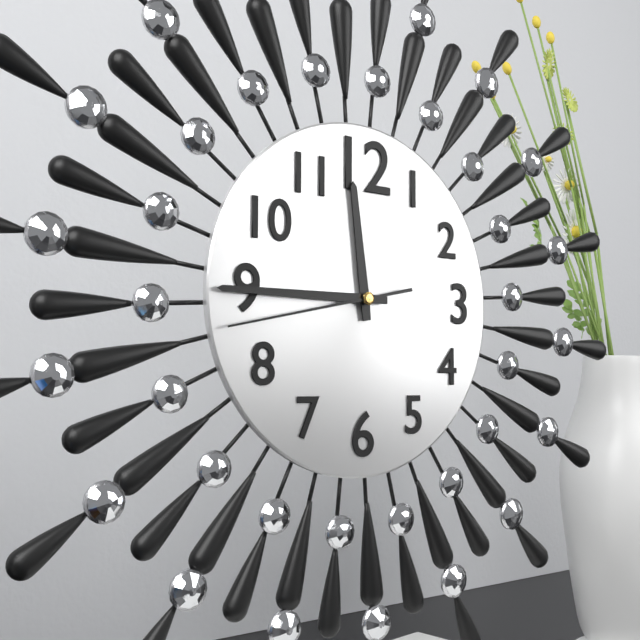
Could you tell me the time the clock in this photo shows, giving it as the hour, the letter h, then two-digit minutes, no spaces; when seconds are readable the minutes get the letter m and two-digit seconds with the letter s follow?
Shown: 11h45m43s
